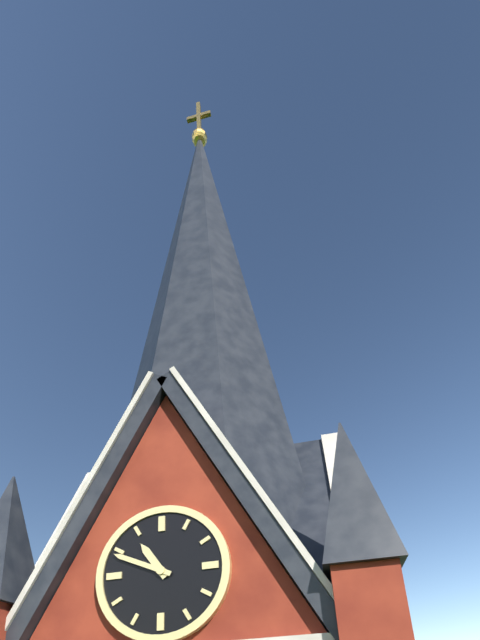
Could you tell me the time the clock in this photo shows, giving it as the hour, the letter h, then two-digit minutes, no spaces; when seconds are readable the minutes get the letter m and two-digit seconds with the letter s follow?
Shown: 10h49
